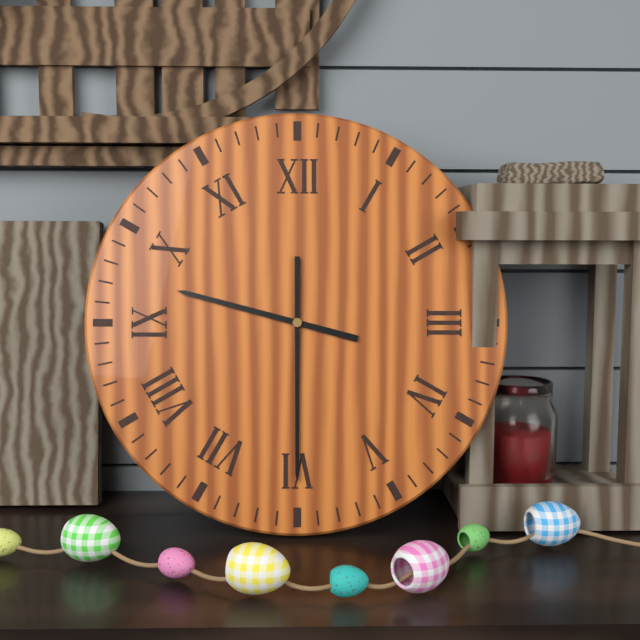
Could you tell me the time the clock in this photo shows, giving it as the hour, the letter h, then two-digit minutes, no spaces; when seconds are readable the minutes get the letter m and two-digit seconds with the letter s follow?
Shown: 9h30
